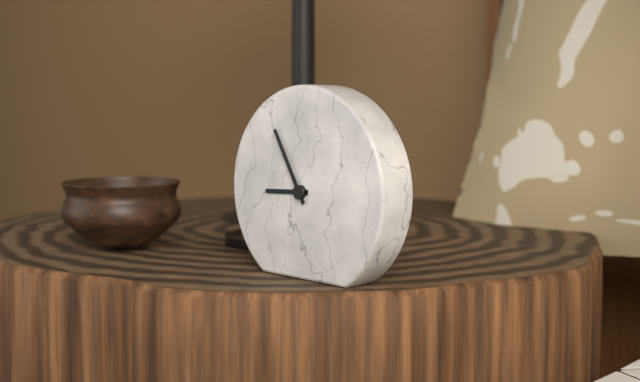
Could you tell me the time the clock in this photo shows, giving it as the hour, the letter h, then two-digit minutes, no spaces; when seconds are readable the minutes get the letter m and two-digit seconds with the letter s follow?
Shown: 8h55
